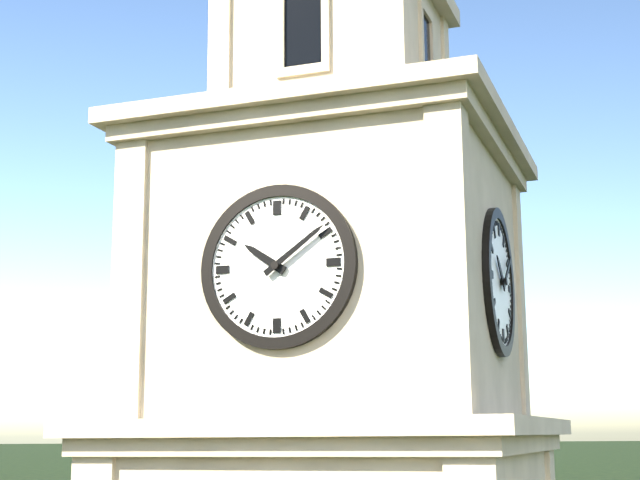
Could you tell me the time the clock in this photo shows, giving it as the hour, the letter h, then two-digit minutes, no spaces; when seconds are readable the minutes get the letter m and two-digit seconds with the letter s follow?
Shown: 10h09
